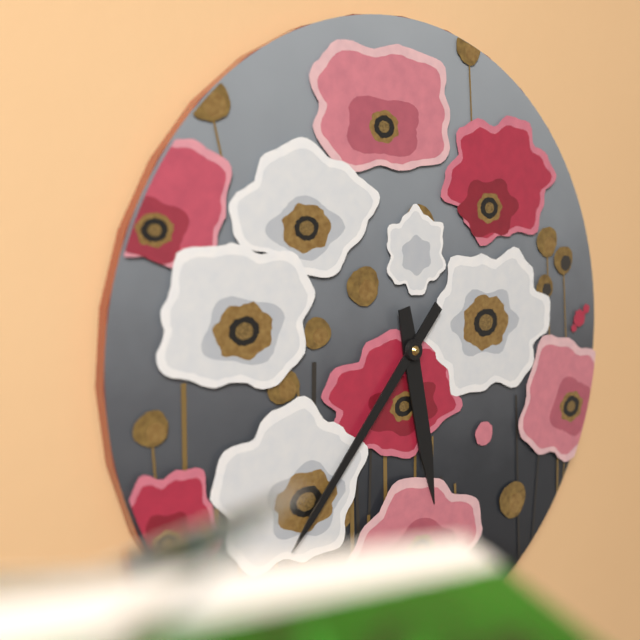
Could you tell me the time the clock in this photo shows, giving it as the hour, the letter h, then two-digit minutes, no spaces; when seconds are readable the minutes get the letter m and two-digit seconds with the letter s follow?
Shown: 5h37
